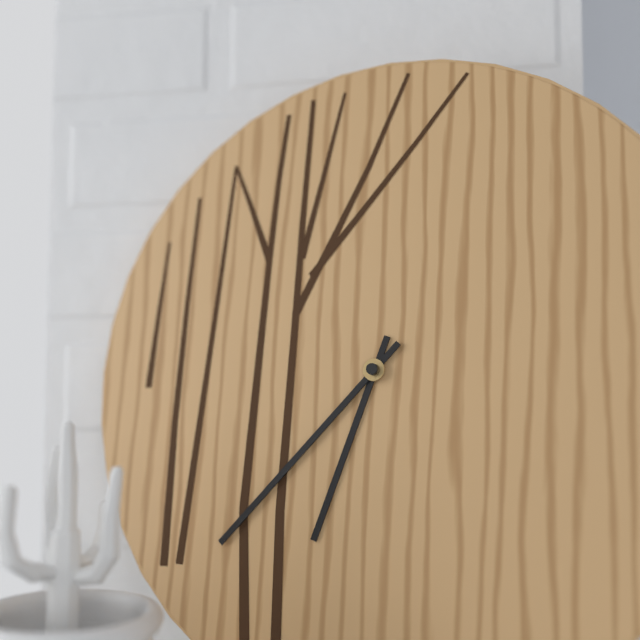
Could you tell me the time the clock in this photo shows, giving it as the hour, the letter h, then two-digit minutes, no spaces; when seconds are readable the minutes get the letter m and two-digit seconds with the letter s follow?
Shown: 6h37
